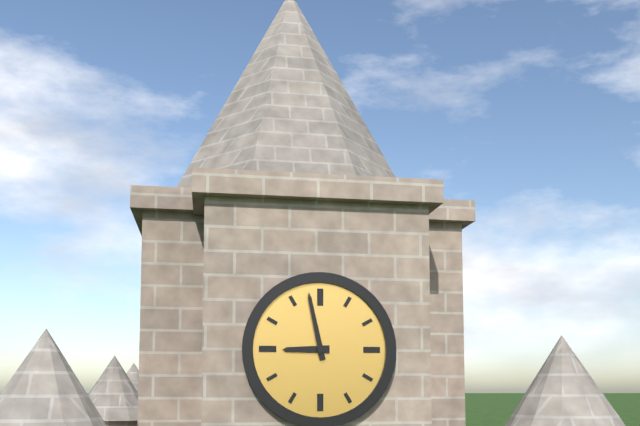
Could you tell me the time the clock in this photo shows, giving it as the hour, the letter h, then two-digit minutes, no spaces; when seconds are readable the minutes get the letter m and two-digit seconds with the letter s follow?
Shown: 8h58
